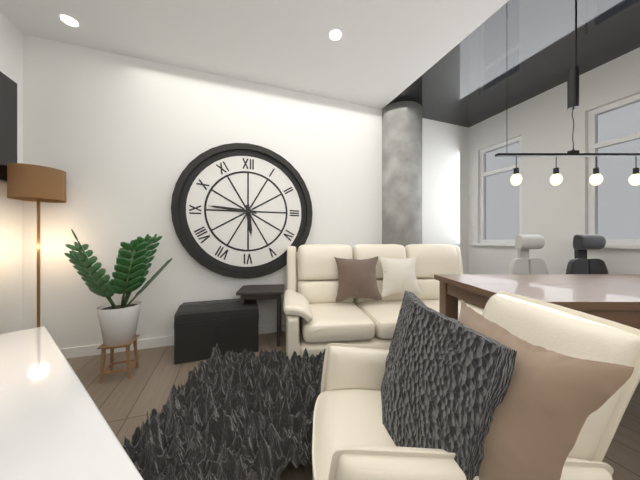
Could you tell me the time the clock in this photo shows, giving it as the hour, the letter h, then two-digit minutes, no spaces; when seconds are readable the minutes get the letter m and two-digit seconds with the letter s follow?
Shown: 5h46
